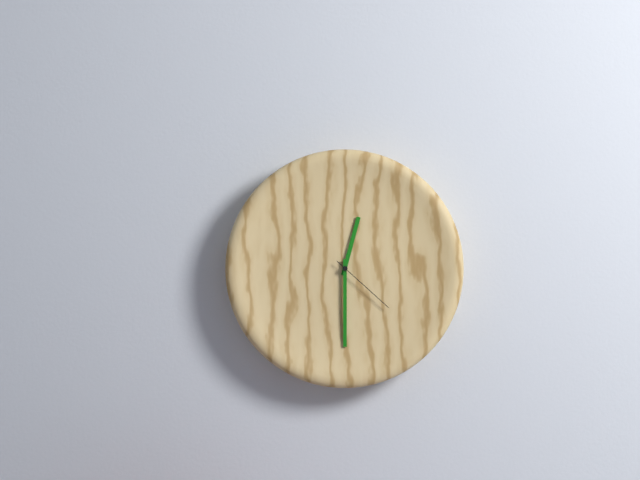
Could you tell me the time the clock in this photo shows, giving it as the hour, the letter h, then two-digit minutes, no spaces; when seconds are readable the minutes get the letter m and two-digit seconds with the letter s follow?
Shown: 12h30m22s
